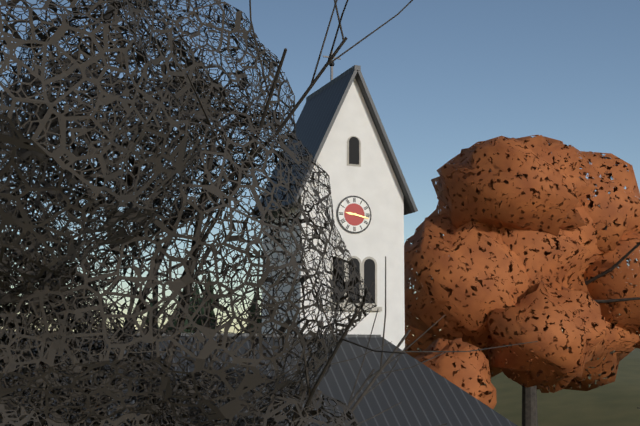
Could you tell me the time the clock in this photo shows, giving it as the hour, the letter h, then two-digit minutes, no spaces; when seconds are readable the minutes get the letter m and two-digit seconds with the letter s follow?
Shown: 9h17
